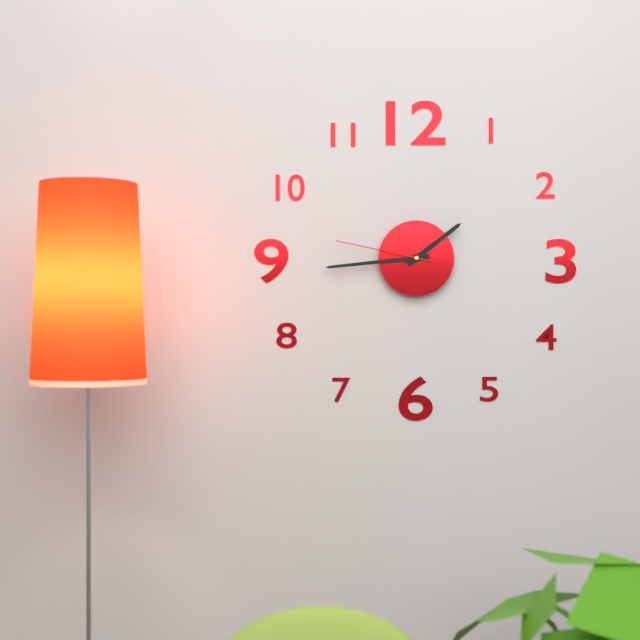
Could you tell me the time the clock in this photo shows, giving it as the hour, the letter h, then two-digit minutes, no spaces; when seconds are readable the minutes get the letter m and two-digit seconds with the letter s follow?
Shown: 1h44m47s
